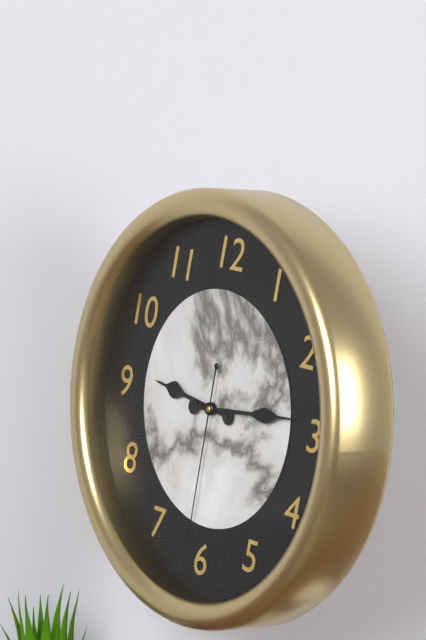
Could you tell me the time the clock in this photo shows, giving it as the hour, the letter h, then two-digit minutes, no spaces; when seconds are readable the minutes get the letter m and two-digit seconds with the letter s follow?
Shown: 9h14m31s
